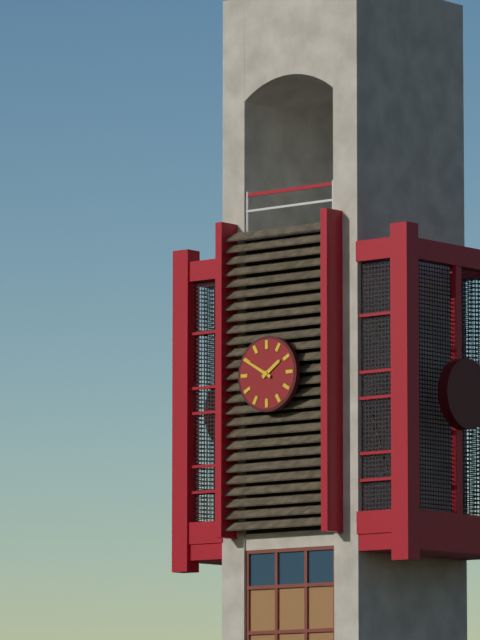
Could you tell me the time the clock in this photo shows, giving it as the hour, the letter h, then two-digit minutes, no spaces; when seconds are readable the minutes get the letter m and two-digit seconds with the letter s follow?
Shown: 1h50
